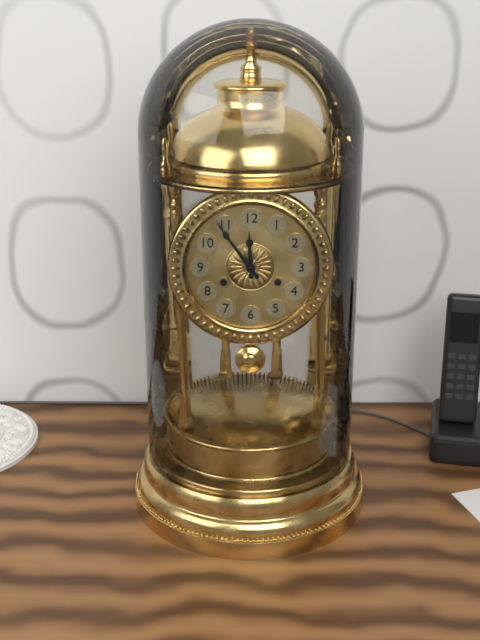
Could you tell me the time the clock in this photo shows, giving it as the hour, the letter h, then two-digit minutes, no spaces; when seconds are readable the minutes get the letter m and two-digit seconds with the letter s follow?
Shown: 11h54
